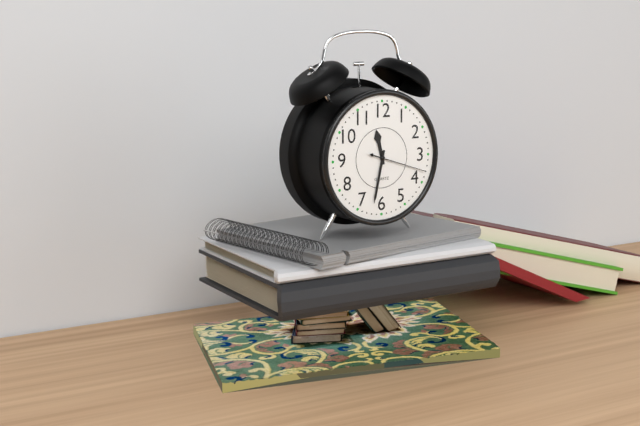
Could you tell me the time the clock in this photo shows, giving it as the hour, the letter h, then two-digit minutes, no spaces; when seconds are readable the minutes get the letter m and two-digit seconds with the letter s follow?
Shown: 11h32m18s
